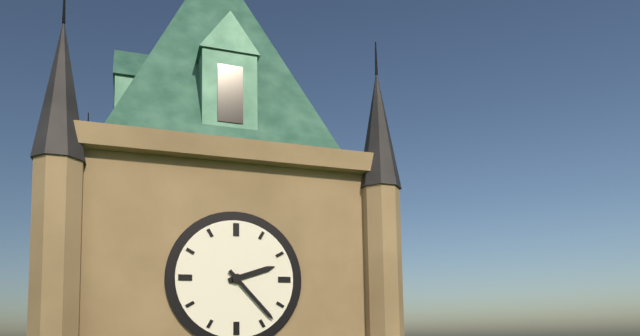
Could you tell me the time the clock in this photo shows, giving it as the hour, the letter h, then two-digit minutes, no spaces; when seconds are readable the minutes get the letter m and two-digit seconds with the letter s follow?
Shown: 2h23
